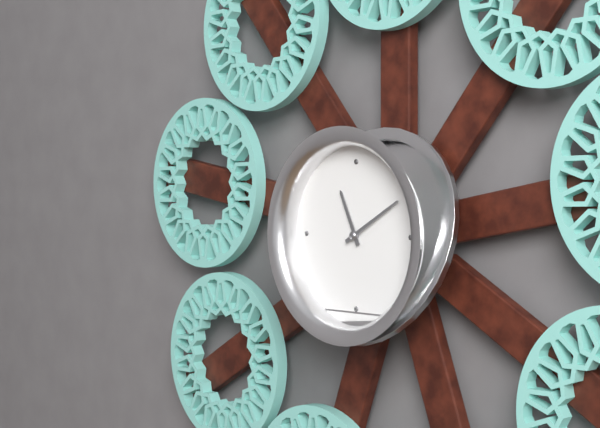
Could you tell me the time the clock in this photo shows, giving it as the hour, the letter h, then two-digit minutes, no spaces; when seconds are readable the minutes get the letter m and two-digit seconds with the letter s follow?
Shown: 11h10
